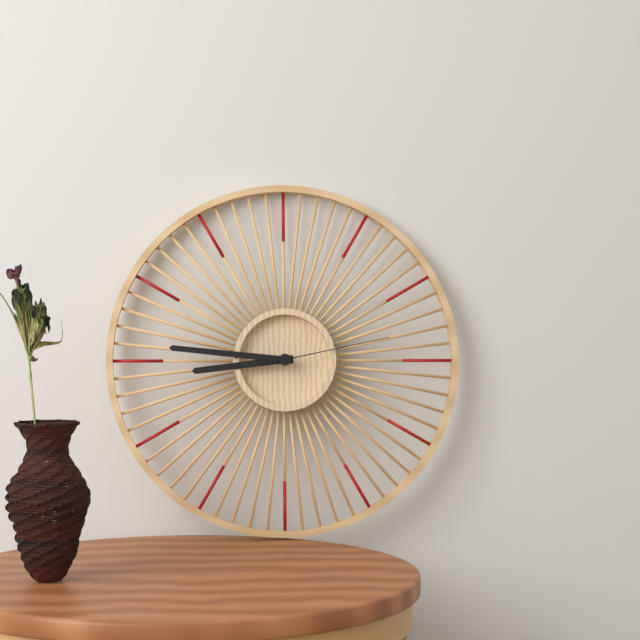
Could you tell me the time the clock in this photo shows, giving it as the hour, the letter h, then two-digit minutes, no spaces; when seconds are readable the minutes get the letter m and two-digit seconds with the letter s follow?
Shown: 8h46m13s
